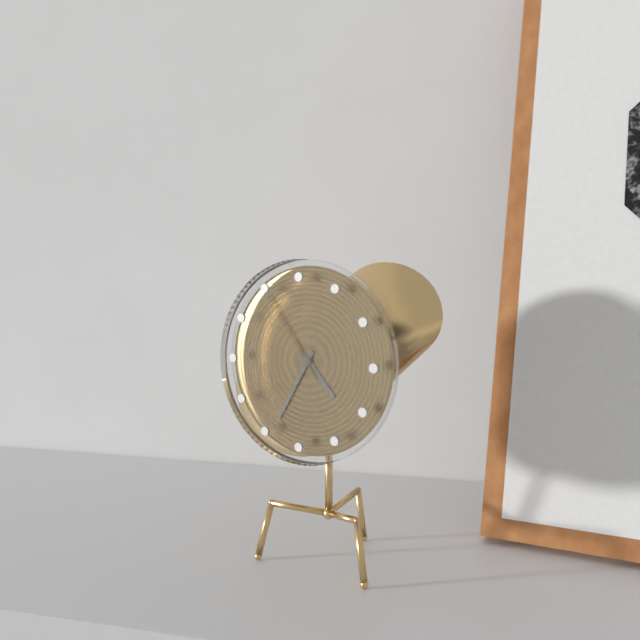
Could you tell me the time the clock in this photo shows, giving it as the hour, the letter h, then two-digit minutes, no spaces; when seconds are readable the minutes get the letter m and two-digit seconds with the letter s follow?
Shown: 4h35m54s
